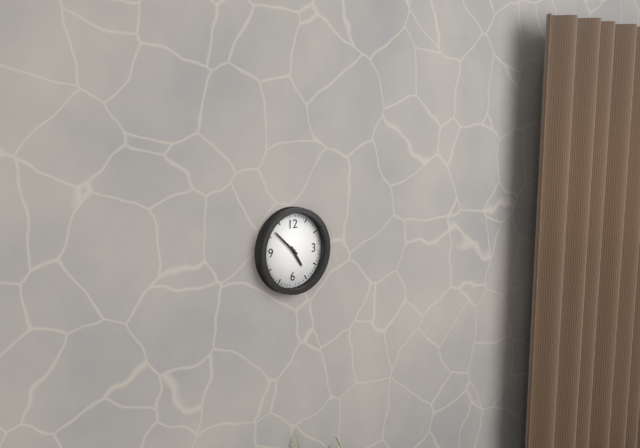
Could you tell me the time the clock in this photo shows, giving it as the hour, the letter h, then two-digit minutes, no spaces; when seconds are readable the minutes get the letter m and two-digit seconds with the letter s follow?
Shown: 4h52
